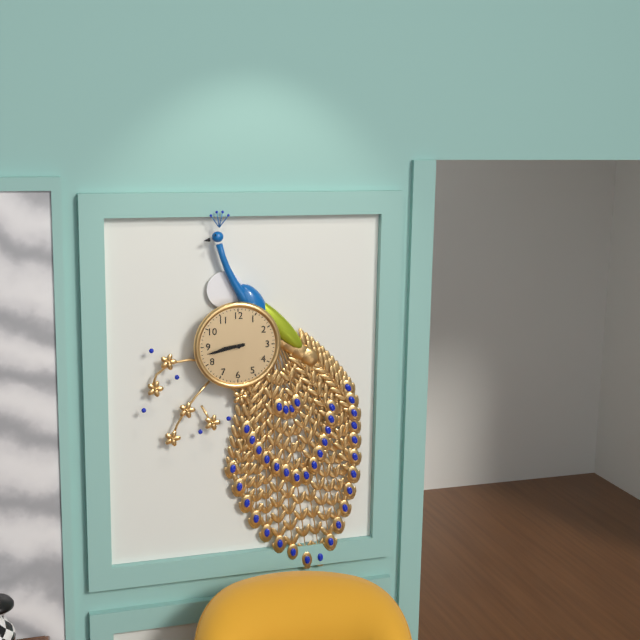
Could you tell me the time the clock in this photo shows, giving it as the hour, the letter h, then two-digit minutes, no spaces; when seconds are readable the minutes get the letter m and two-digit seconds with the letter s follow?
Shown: 8h43
